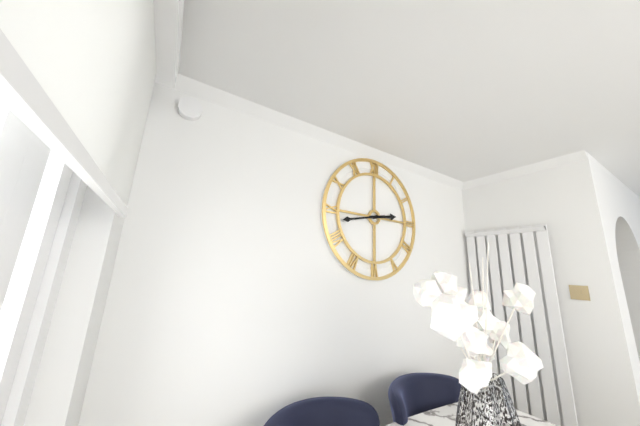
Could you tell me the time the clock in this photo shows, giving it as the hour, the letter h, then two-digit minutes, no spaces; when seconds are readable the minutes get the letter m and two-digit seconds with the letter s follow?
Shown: 2h43
